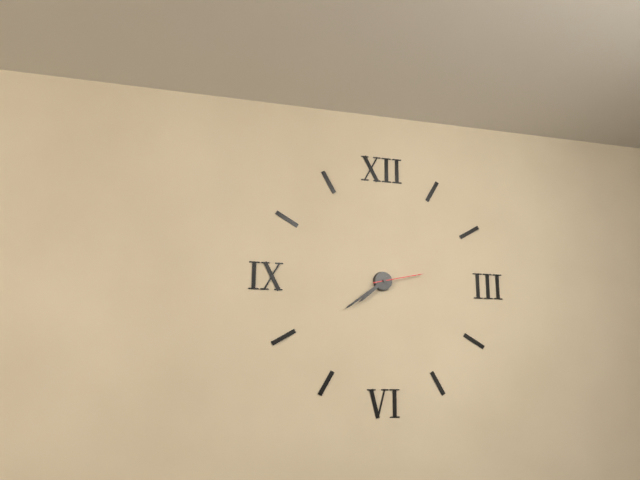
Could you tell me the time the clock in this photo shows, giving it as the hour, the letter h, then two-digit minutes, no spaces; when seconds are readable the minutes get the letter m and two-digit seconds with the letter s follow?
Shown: 7h39m13s
